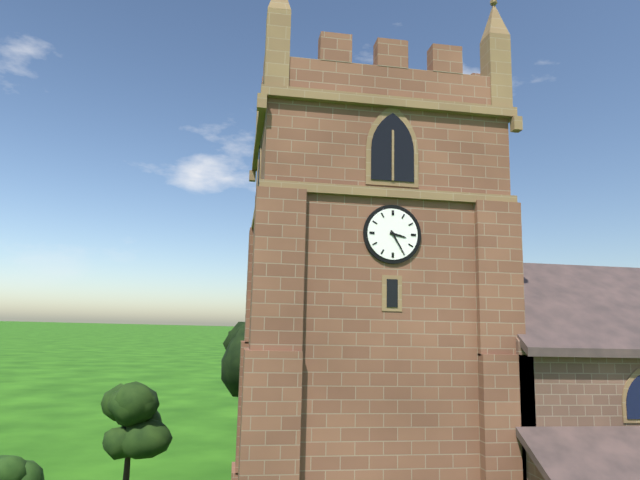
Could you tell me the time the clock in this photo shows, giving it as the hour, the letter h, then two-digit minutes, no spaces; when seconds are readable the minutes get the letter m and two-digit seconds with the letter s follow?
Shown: 3h25
